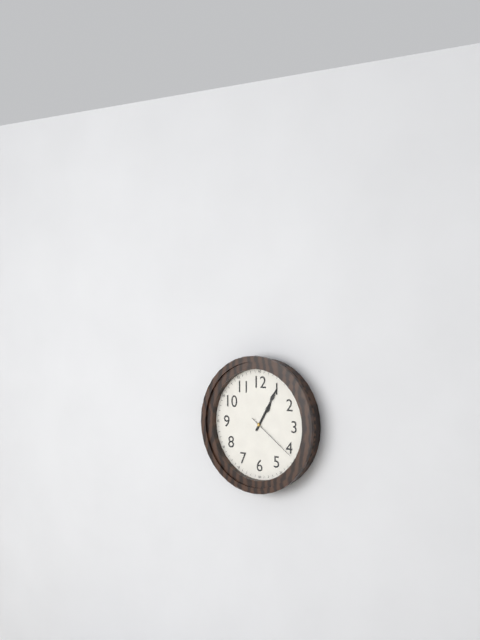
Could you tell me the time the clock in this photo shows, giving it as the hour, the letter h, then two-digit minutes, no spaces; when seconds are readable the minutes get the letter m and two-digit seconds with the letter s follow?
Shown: 1h05m21s
